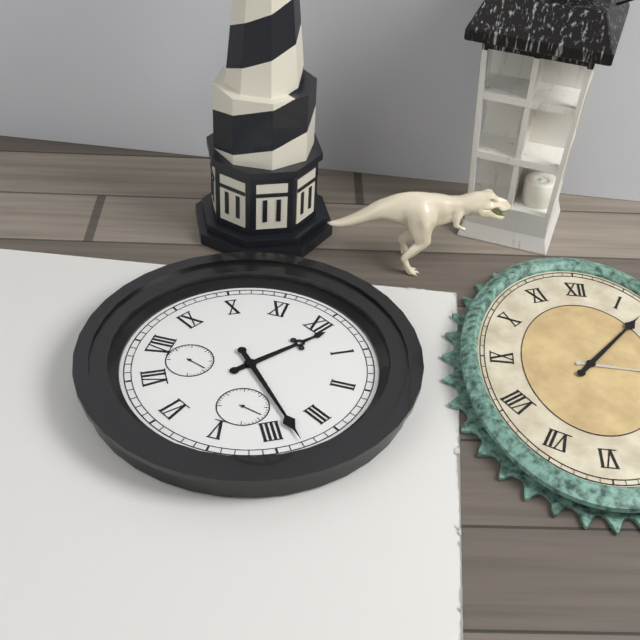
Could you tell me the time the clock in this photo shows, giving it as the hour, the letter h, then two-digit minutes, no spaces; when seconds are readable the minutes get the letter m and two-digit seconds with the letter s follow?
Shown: 12h18
